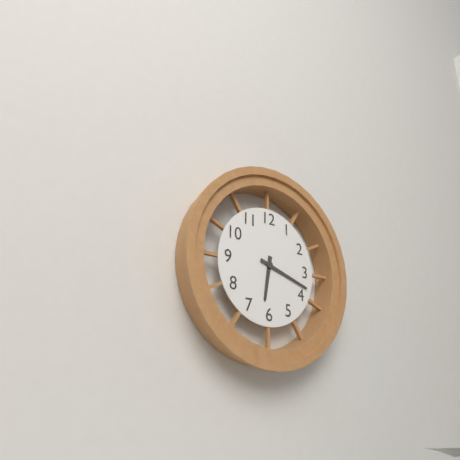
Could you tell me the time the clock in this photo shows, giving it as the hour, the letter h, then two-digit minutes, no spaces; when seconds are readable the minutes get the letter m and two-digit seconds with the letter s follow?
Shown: 6h18
